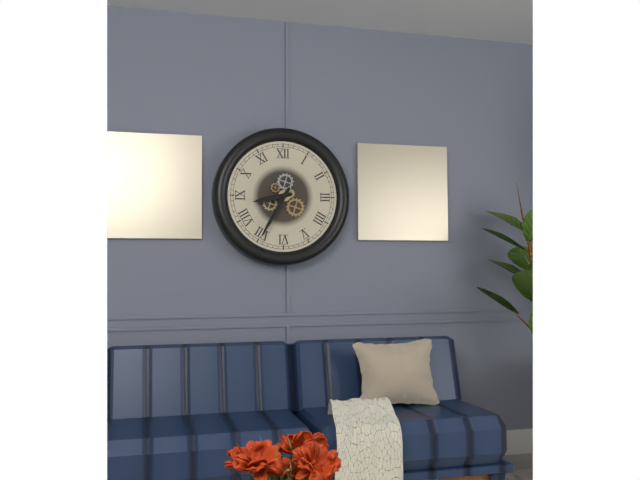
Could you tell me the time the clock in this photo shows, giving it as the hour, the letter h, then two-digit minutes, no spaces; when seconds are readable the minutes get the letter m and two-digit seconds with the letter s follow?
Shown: 8h35
